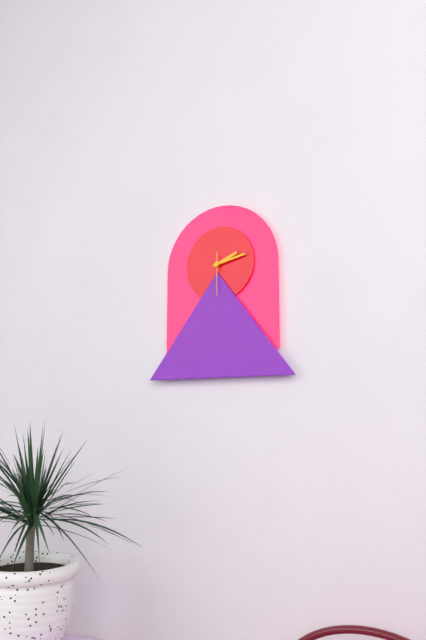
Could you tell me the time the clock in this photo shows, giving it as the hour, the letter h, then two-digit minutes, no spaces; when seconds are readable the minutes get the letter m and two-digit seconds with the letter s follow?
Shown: 2h13
